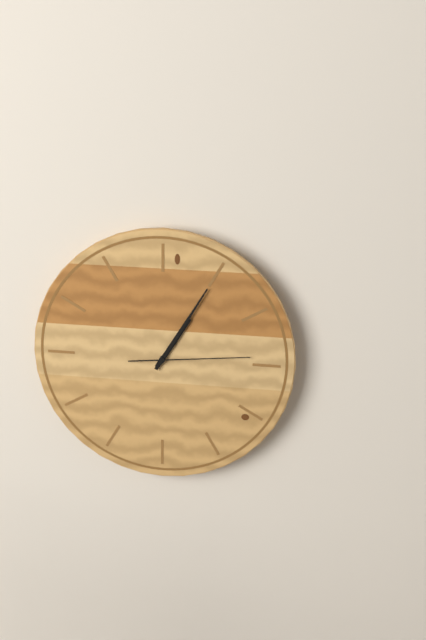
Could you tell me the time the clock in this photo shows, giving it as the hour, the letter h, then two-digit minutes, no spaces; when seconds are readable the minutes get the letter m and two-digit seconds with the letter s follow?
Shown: 1h05m14s
